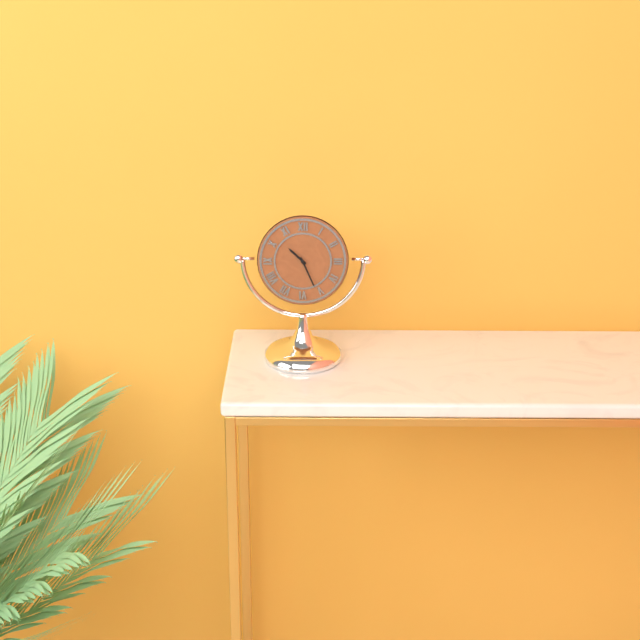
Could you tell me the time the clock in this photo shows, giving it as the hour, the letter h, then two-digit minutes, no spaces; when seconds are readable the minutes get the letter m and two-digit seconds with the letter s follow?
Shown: 10h26
